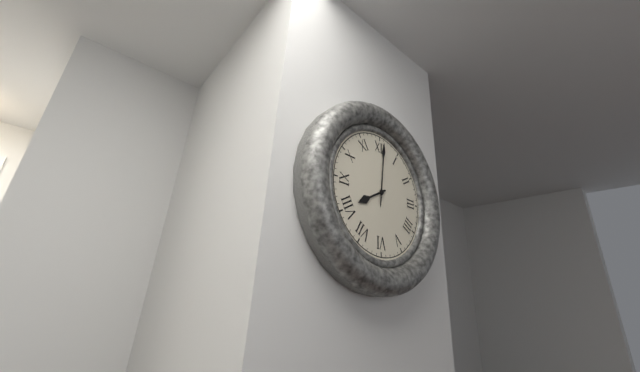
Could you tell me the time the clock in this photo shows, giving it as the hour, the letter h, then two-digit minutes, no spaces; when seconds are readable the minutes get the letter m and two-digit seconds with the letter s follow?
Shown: 8h01
